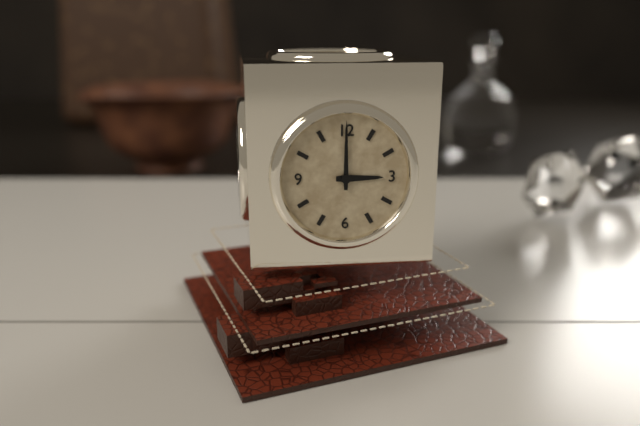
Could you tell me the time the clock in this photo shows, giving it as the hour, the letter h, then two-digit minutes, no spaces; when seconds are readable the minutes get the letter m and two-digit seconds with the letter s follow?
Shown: 3h00
